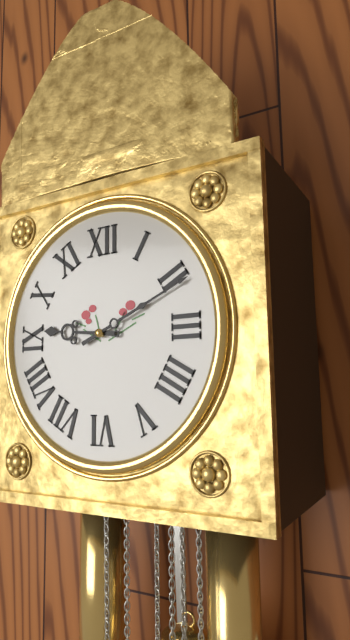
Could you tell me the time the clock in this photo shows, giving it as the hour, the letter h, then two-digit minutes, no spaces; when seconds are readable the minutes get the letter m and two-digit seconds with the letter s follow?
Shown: 9h11
